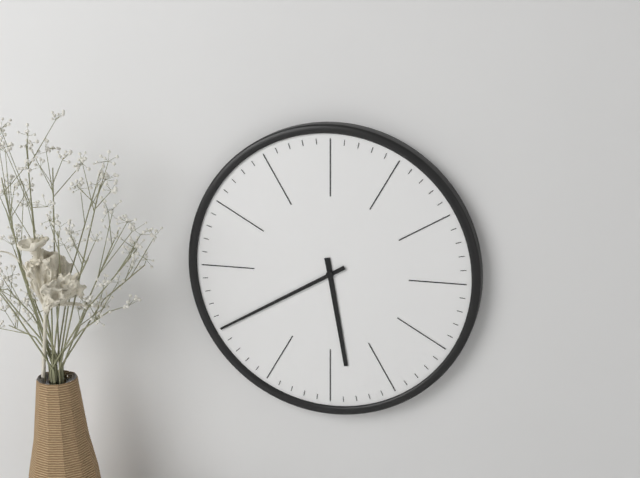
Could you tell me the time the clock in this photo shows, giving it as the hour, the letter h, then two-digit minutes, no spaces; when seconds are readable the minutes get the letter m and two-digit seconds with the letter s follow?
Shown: 5h40
